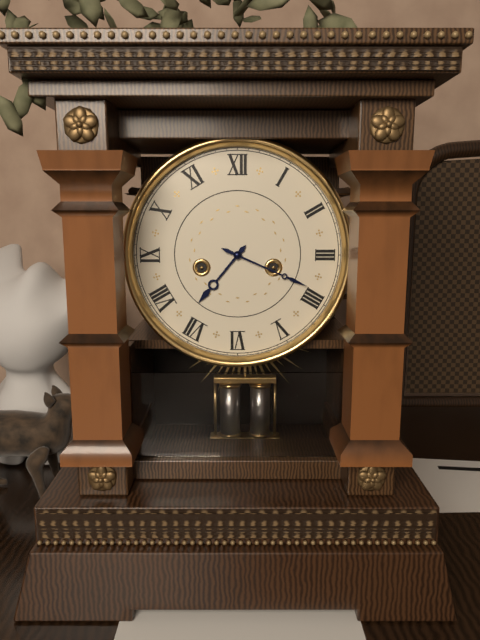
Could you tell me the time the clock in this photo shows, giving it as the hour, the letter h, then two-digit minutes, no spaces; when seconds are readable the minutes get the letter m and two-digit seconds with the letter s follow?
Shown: 7h19
